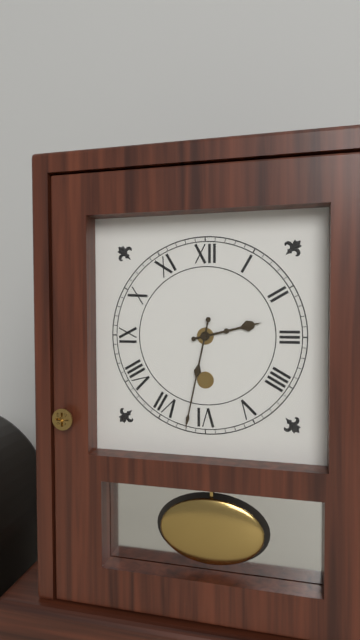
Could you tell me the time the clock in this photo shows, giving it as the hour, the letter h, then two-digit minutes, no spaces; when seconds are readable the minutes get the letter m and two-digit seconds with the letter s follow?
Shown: 2h32
